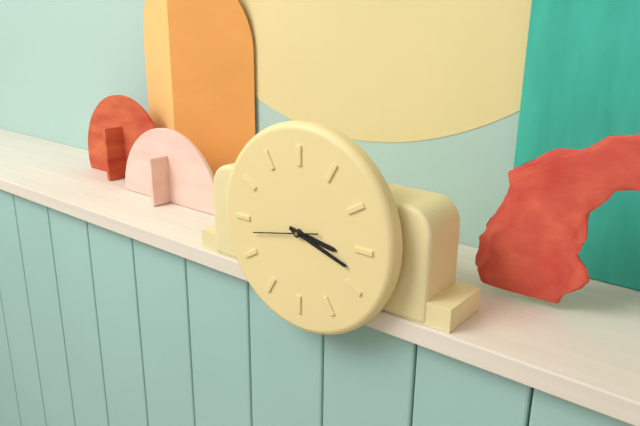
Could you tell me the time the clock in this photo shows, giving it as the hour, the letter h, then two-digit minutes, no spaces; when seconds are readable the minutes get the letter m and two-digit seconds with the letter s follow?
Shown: 3h18m43s
